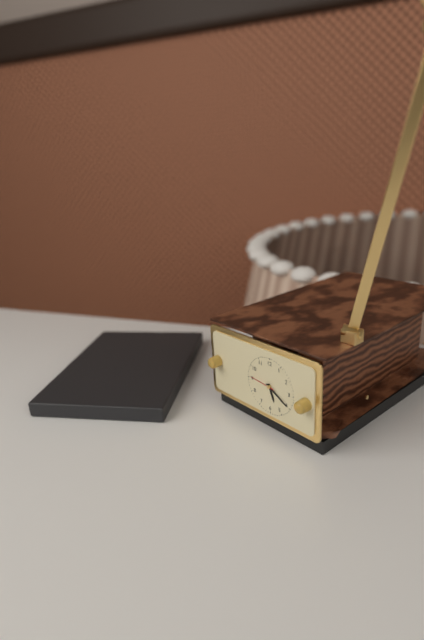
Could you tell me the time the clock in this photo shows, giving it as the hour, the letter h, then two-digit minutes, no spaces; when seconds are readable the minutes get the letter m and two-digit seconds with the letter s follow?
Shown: 5h20
